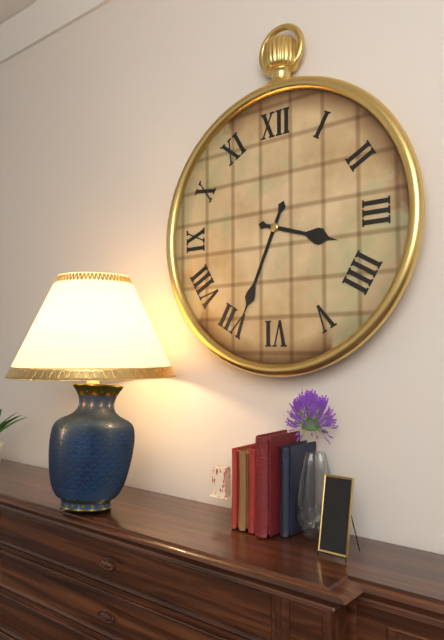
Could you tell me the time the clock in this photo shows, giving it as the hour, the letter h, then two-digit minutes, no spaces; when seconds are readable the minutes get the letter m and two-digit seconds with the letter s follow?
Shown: 3h34
